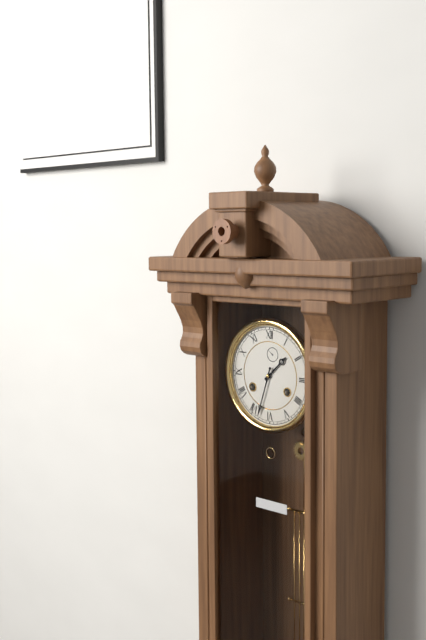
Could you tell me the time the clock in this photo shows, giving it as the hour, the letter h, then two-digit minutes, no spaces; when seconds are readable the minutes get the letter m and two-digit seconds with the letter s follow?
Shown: 1h33
